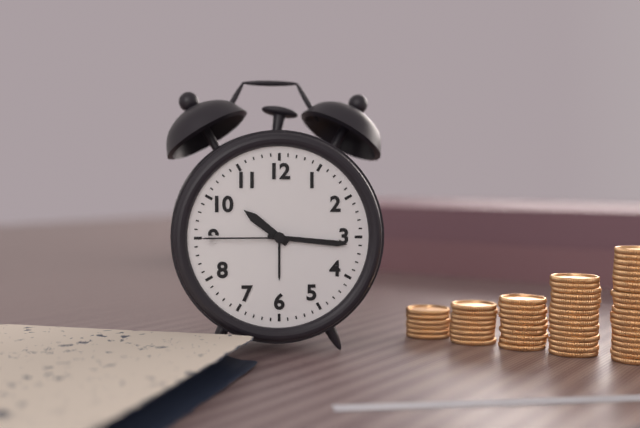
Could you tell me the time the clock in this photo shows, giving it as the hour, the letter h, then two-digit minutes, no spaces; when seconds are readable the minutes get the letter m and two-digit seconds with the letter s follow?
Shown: 10h16m45s
